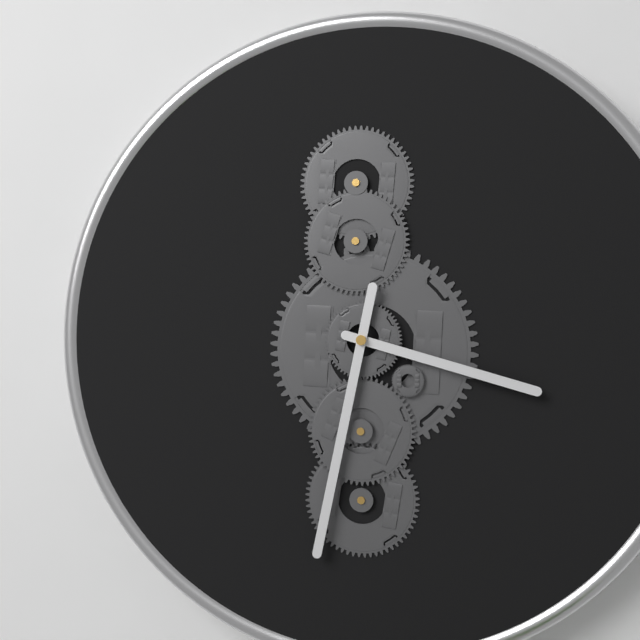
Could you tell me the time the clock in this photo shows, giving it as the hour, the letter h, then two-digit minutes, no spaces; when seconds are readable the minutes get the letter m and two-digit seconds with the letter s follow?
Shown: 3h32
